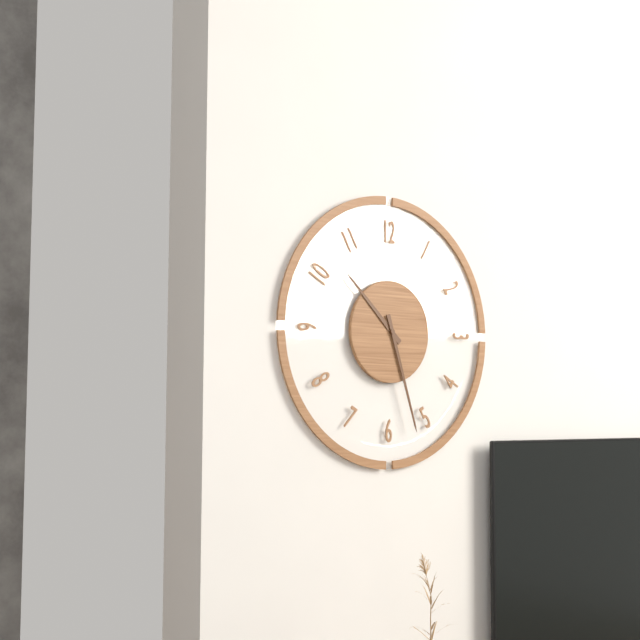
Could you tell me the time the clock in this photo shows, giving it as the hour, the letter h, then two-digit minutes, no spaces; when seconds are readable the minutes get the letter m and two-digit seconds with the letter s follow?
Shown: 10h27
